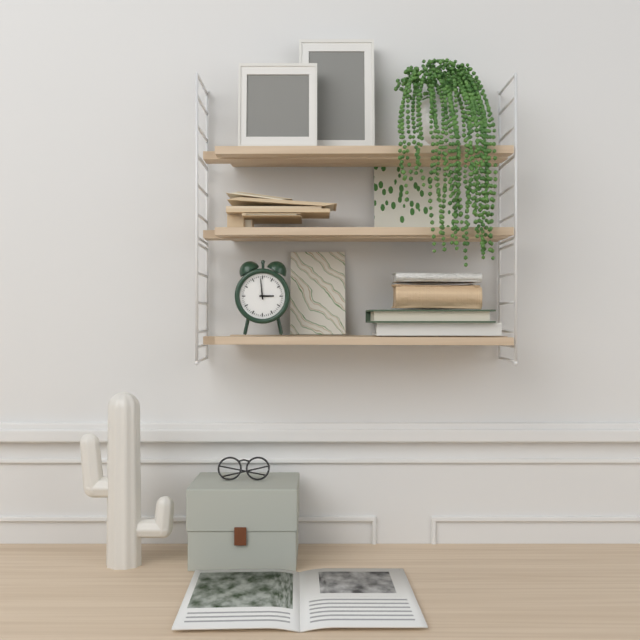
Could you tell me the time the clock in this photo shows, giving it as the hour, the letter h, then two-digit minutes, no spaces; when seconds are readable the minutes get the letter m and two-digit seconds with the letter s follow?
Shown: 2h59
